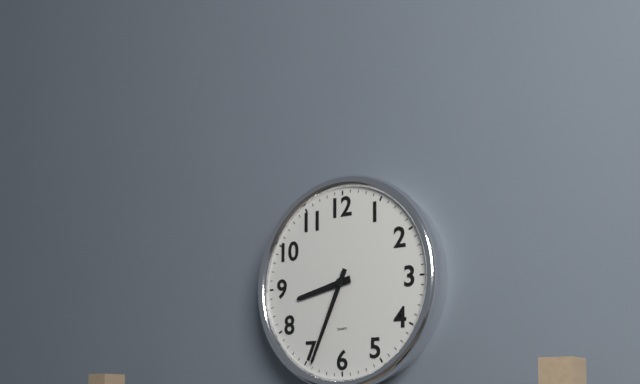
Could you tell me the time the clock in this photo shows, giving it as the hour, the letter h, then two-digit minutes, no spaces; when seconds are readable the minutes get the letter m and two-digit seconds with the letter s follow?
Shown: 8h34
